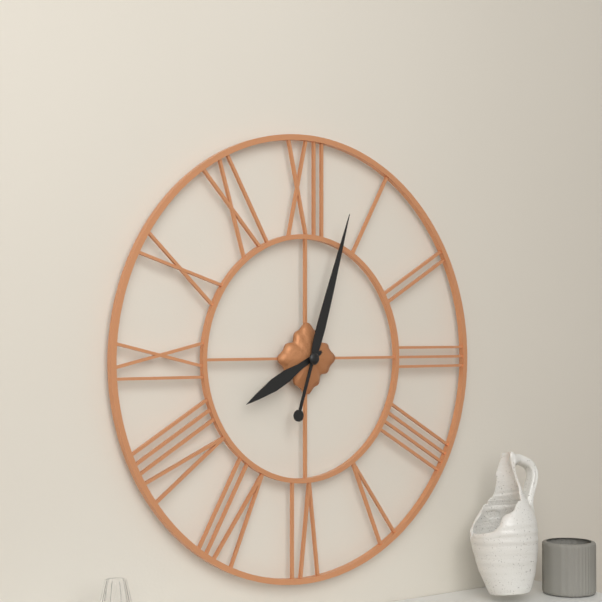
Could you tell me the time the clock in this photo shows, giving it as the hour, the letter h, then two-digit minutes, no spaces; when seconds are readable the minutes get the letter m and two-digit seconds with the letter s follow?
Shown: 8h03
